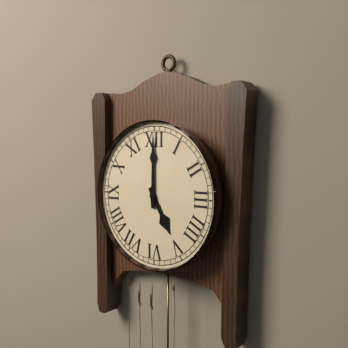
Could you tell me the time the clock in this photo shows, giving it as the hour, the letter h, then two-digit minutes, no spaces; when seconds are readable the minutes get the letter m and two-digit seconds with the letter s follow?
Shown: 5h00
